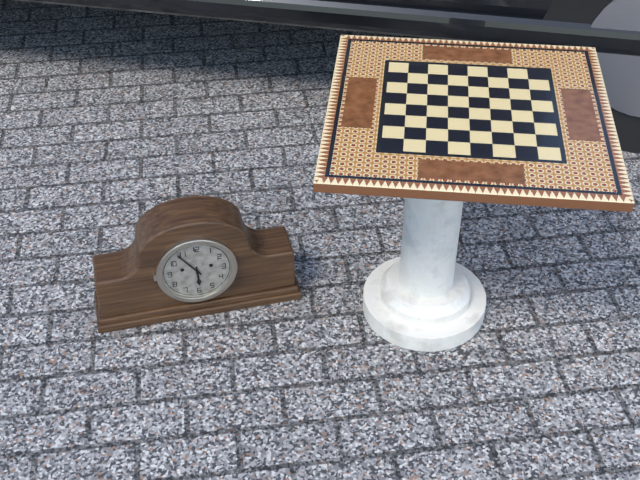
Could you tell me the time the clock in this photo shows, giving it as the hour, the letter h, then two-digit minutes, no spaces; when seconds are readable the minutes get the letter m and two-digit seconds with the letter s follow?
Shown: 5h54
